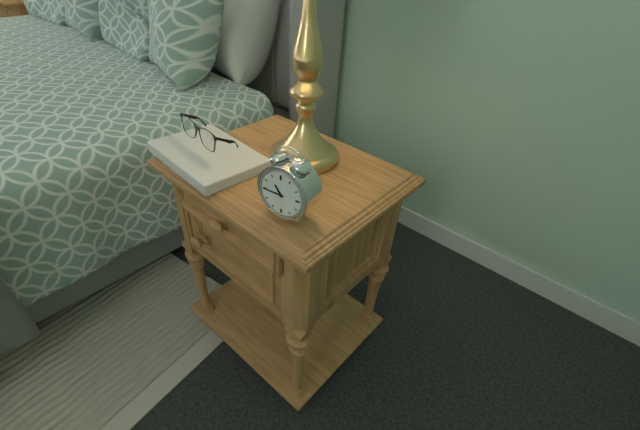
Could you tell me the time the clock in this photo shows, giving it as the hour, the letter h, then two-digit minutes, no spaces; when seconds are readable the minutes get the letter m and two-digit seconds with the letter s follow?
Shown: 10h45
